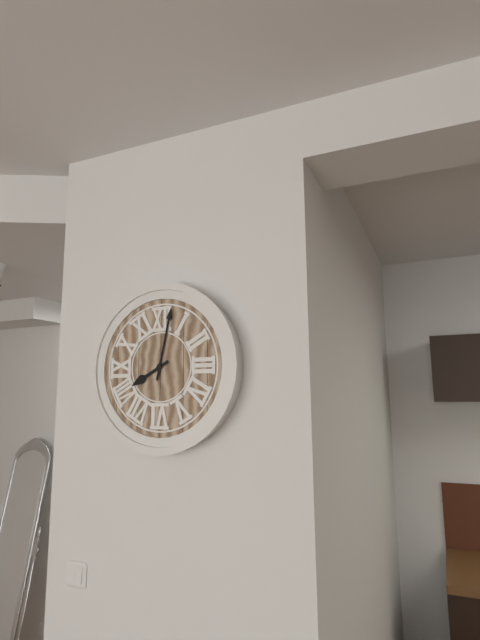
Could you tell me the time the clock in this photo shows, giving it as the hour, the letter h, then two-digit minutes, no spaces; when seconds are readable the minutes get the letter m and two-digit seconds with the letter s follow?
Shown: 8h02
